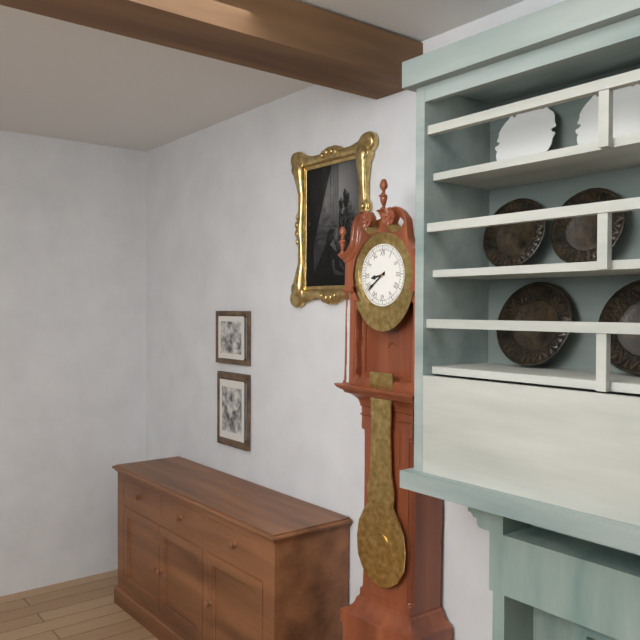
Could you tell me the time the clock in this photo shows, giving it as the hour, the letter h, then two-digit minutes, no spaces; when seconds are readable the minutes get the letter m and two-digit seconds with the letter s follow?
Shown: 8h39
